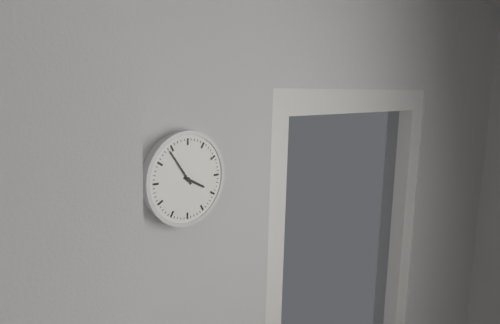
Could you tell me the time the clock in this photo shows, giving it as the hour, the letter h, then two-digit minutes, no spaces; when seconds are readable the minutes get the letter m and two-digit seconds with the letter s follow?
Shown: 3h54
